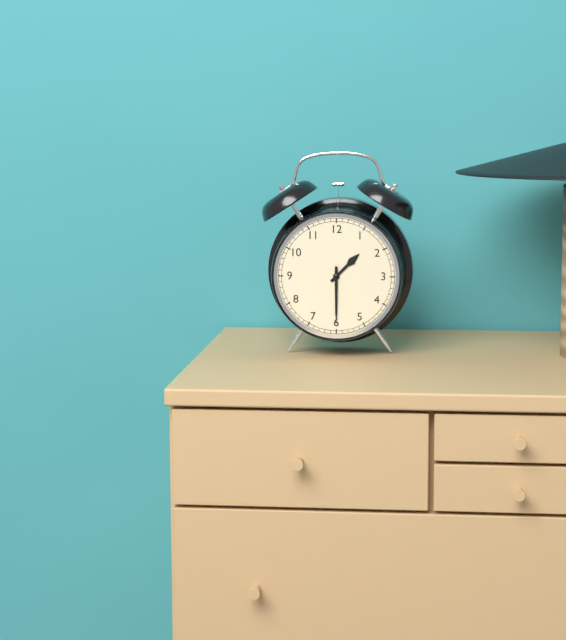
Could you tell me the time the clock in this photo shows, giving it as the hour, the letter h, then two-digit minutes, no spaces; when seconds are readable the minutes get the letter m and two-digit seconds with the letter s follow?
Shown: 1h30
